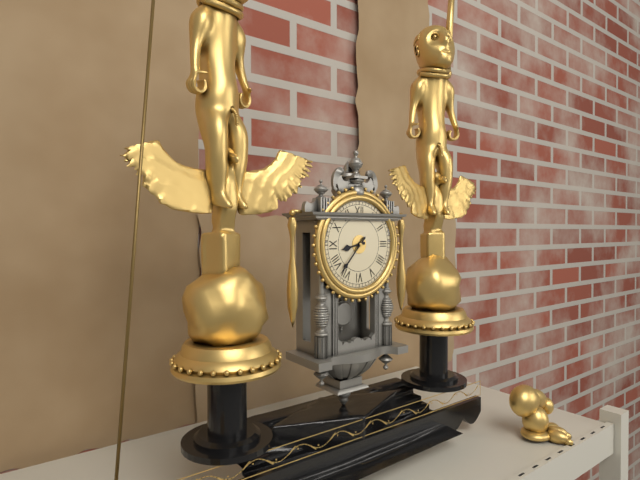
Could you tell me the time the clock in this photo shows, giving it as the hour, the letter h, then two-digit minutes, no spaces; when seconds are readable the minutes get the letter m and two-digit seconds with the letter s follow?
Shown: 8h37
